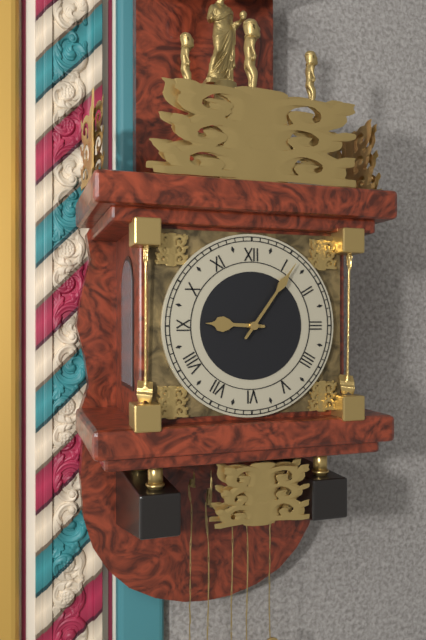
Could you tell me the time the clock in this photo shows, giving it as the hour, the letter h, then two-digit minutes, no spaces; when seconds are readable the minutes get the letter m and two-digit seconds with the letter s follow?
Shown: 9h06
